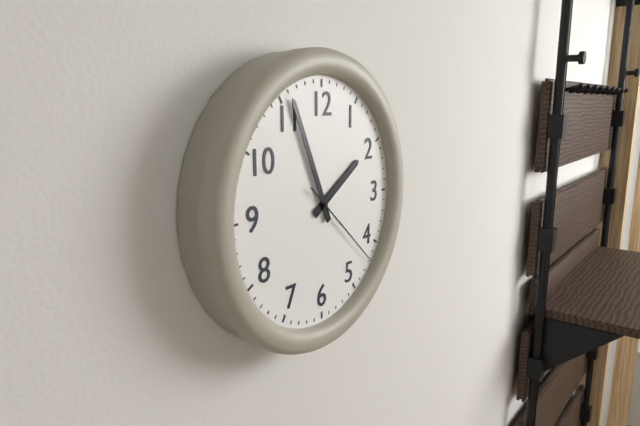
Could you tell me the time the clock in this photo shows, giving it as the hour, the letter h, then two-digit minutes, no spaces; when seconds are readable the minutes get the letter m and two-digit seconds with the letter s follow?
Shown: 1h56m22s
